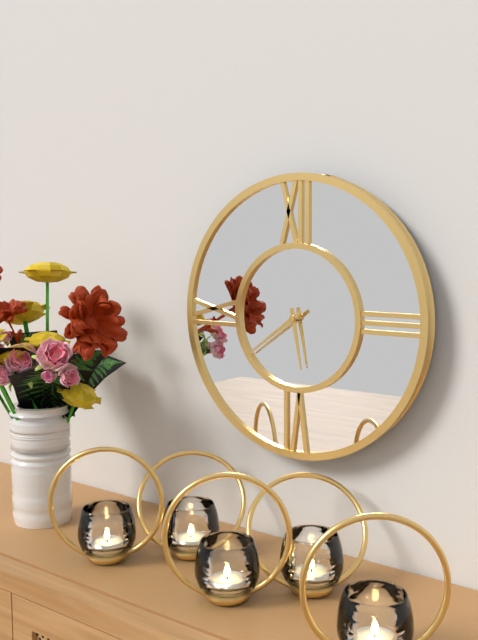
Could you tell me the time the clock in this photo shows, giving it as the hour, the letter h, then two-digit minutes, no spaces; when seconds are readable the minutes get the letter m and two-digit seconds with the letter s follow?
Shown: 5h39
